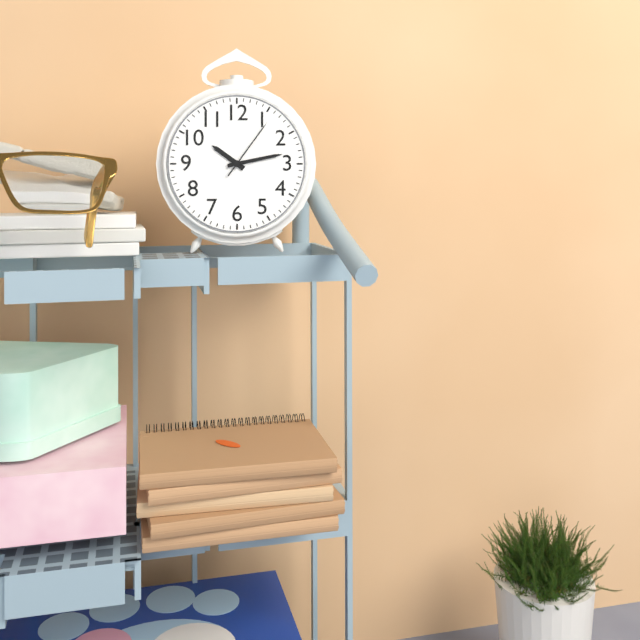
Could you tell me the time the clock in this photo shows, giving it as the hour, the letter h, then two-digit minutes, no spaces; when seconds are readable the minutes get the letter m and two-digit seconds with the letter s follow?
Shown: 10h13m06s
